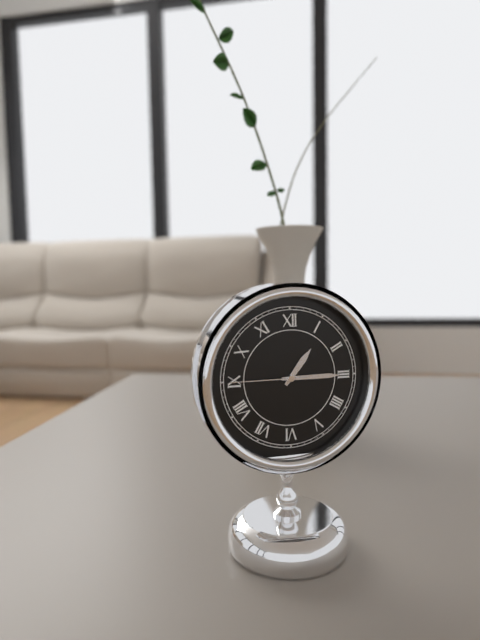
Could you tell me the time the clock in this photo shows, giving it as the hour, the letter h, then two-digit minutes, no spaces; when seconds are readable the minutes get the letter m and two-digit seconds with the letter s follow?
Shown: 1h15m45s
